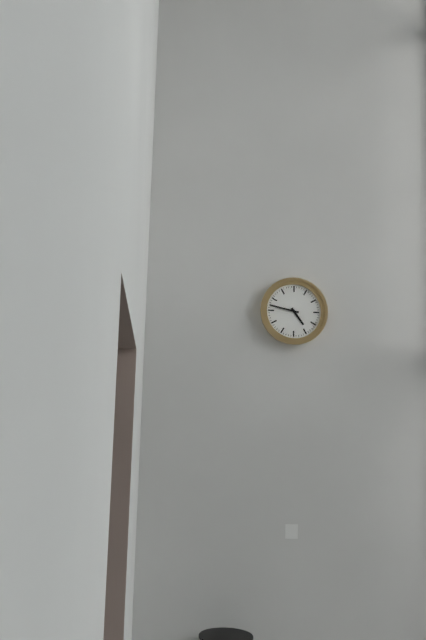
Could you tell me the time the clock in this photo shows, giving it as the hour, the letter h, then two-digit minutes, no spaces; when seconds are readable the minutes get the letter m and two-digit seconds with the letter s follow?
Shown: 4h47
